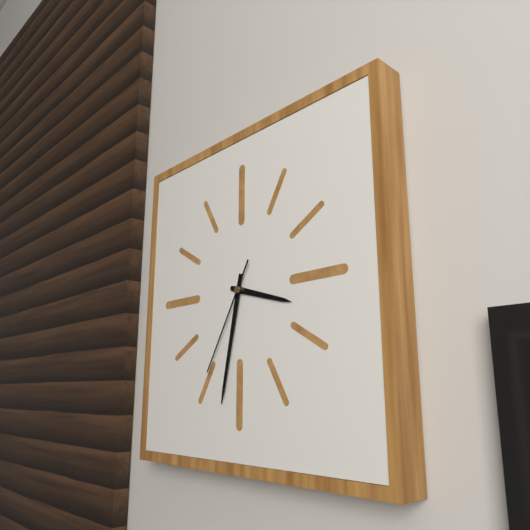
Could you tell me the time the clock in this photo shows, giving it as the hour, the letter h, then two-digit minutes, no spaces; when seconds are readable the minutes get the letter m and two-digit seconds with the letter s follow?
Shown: 3h32m35s
